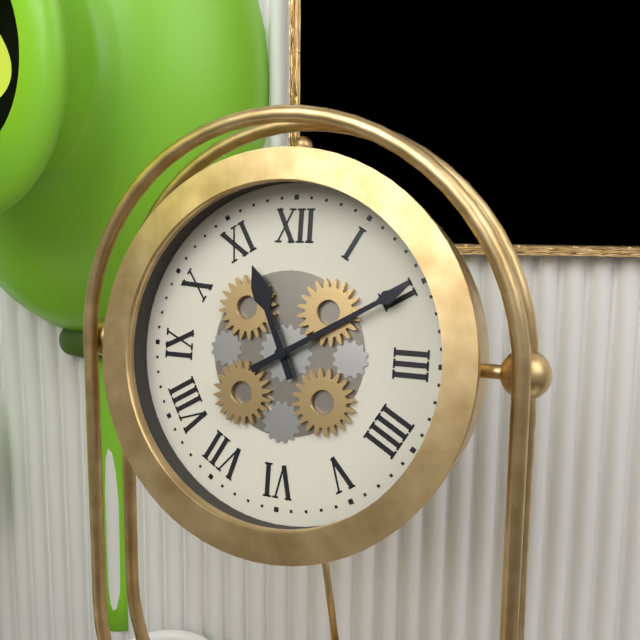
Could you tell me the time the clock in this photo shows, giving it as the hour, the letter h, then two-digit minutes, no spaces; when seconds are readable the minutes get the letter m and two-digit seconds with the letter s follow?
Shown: 11h10
